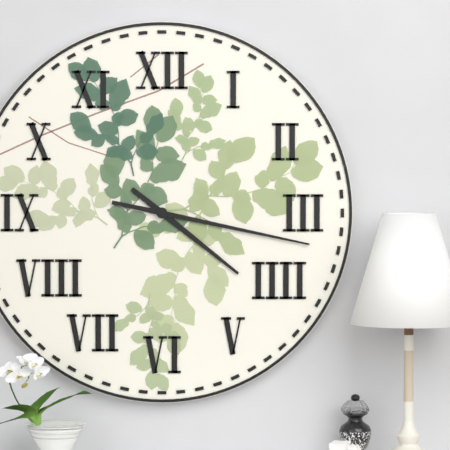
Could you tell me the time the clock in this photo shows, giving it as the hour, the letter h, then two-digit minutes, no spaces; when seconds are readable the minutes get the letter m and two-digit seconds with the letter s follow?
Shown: 4h17
